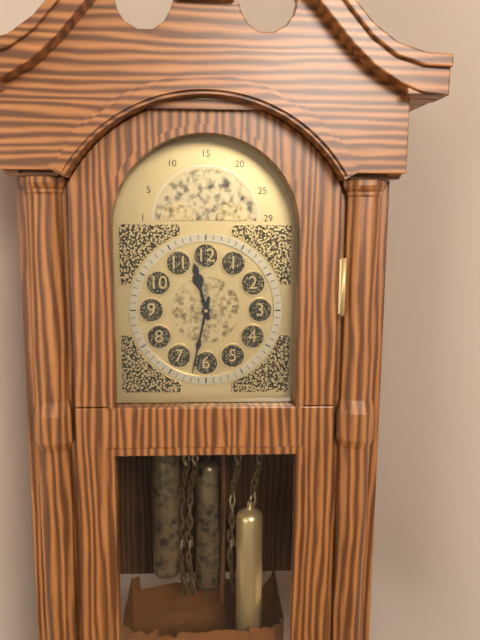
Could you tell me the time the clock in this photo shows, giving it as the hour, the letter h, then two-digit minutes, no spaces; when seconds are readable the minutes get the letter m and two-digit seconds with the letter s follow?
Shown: 11h32
